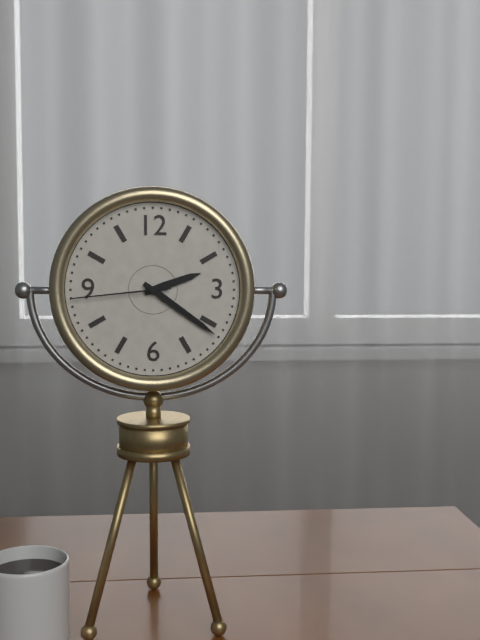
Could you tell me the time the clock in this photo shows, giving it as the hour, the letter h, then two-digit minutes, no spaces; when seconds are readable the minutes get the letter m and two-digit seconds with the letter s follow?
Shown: 2h21m44s
